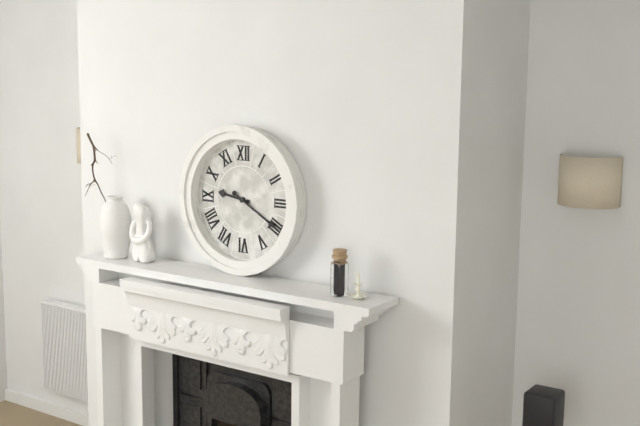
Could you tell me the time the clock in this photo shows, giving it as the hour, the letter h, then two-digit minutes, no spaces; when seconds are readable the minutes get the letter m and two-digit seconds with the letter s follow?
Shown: 9h20
